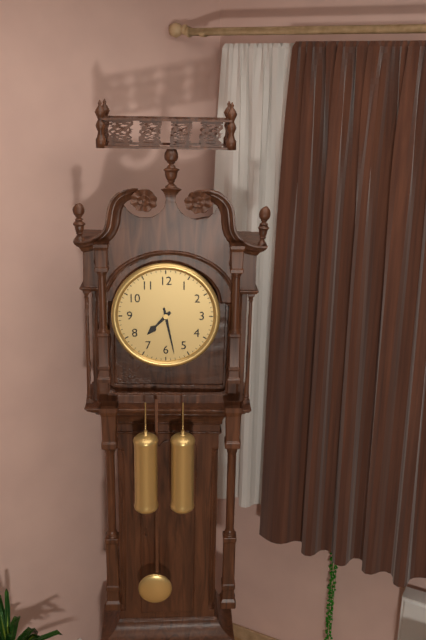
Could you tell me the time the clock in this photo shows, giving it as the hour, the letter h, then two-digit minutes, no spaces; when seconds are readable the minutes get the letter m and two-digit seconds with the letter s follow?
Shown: 7h28
